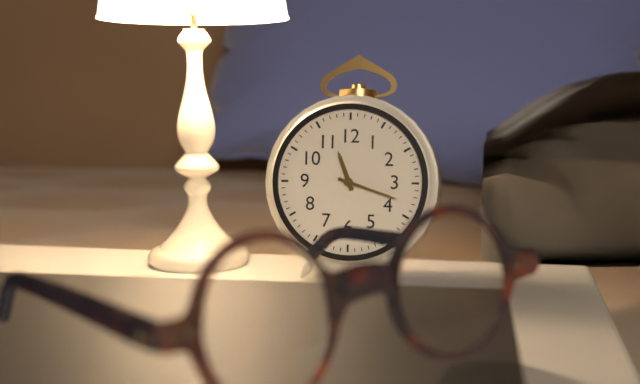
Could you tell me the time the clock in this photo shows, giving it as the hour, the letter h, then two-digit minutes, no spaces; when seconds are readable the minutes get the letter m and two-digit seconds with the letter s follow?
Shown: 11h18
